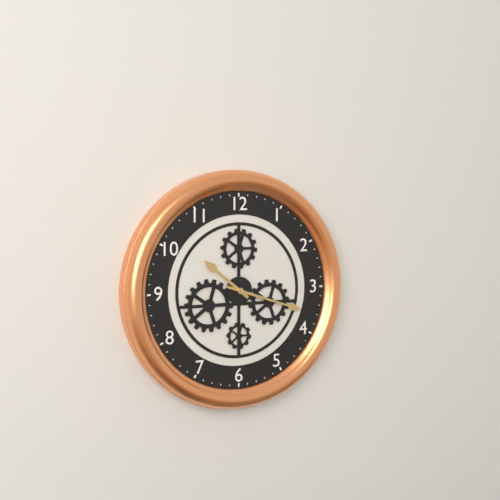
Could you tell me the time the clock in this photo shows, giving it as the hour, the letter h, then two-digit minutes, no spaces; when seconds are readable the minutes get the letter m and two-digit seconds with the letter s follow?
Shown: 10h18
